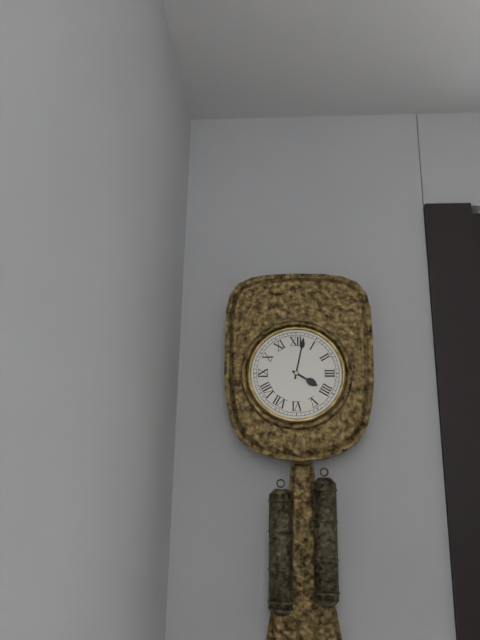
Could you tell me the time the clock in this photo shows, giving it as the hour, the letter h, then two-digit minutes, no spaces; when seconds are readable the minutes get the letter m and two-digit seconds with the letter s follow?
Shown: 4h02
